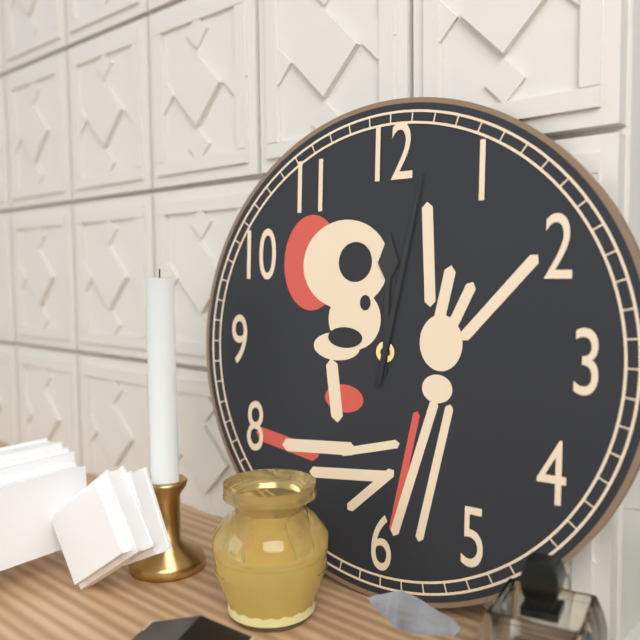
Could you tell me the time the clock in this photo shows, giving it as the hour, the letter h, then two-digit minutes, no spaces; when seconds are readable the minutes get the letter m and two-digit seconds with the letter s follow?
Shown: 12h02
